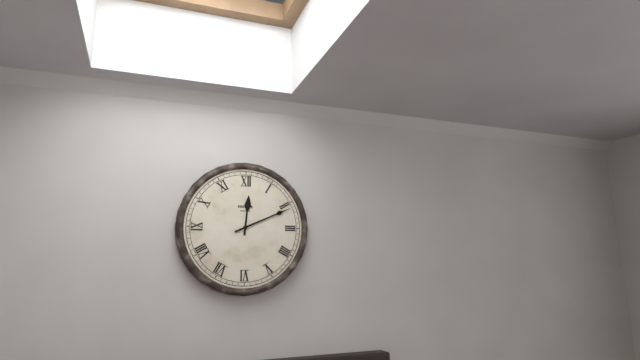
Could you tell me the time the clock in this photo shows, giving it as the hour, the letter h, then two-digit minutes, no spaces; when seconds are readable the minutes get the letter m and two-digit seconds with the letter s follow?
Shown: 12h11
